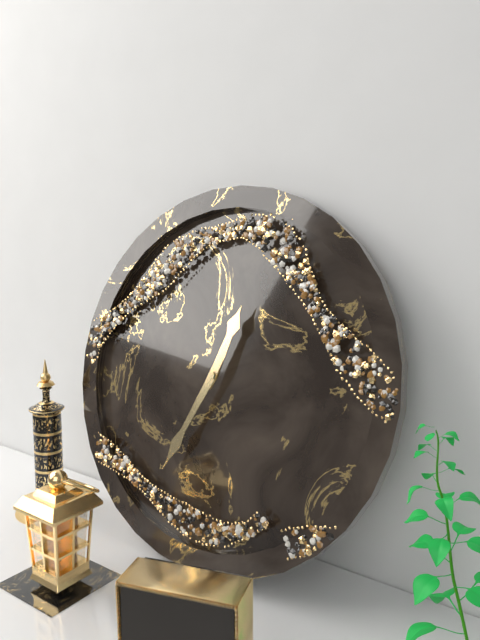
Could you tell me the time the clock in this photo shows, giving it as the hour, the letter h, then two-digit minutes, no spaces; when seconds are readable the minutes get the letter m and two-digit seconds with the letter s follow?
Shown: 12h34
